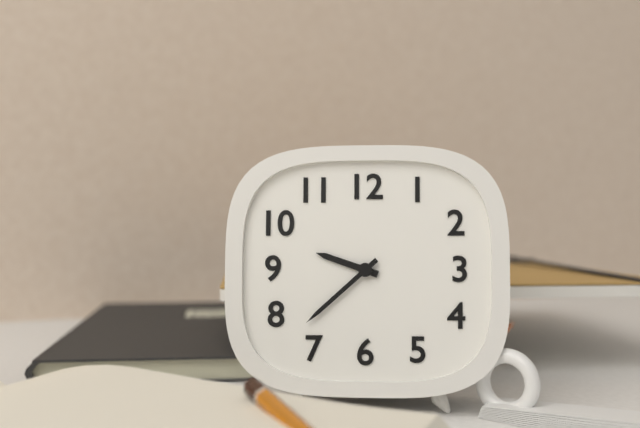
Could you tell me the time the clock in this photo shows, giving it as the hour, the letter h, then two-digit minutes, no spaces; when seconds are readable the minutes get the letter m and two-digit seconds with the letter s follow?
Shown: 9h38
